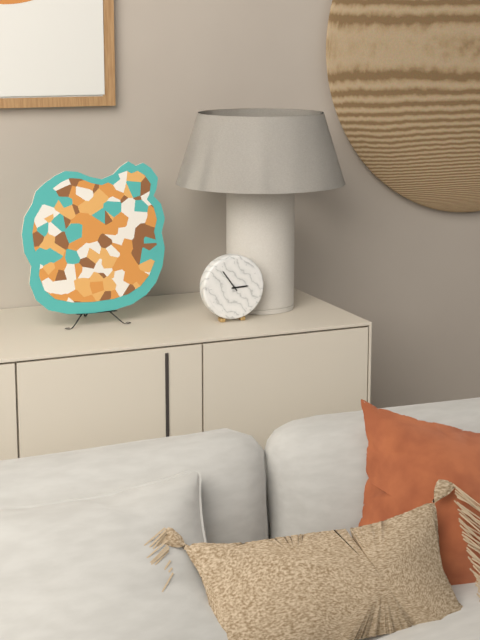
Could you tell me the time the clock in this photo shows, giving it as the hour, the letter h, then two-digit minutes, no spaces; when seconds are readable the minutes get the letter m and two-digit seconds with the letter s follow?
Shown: 2h54
